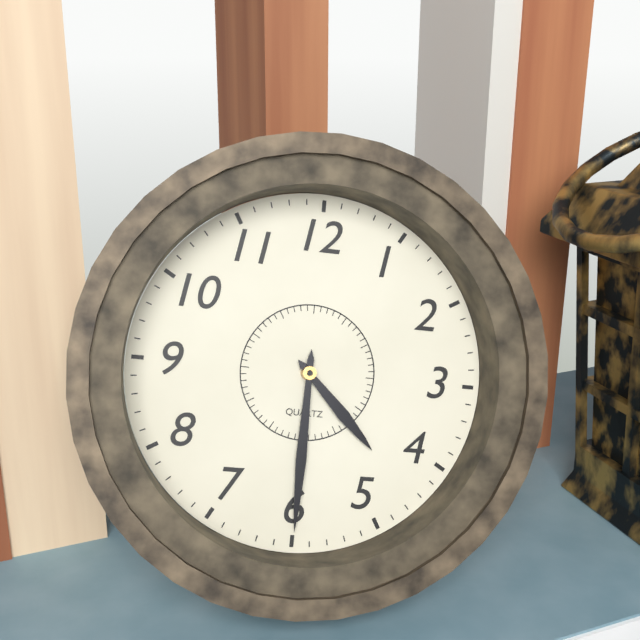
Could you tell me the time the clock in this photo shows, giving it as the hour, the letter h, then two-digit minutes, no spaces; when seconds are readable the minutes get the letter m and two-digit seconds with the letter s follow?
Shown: 4h30
